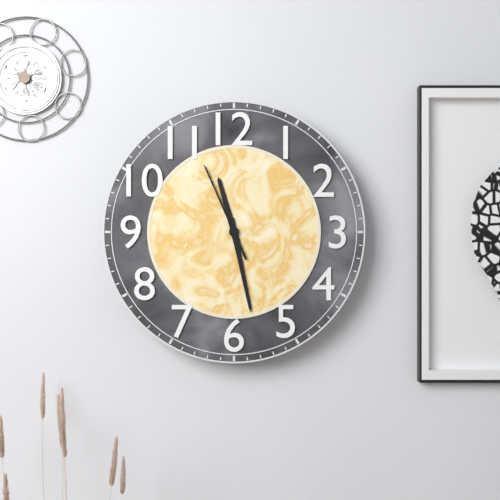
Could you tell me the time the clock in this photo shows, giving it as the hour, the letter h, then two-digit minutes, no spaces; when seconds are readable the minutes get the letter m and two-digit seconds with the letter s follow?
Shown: 11h28m56s
